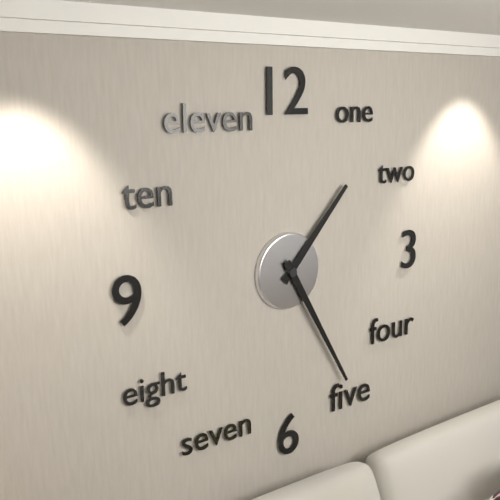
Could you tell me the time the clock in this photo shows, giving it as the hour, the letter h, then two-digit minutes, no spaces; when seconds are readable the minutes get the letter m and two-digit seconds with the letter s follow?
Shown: 1h25
